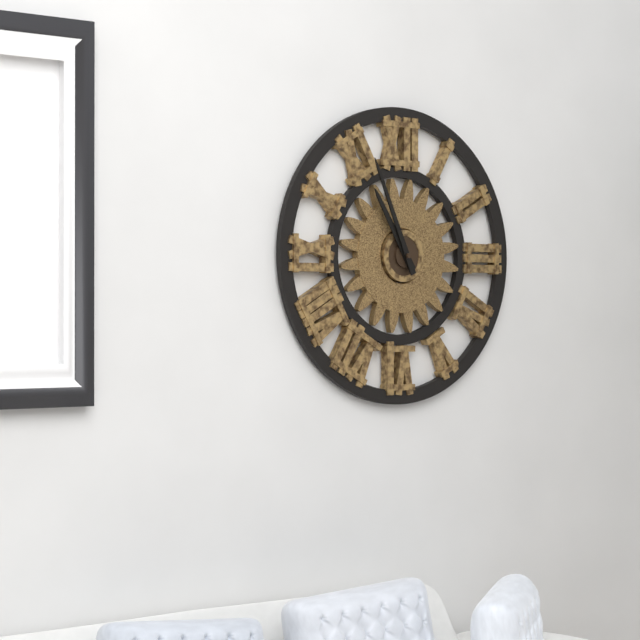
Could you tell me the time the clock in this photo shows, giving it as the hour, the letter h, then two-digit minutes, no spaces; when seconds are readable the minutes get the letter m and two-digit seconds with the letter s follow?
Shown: 10h56
